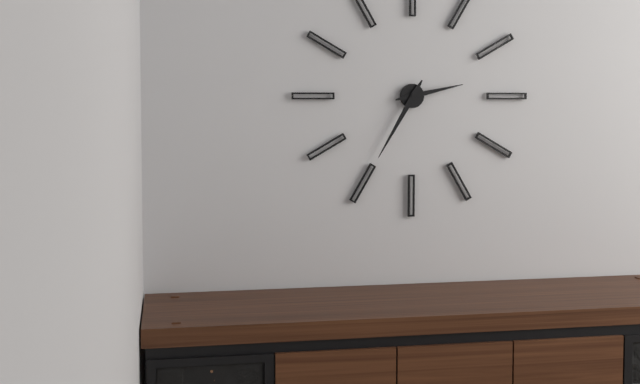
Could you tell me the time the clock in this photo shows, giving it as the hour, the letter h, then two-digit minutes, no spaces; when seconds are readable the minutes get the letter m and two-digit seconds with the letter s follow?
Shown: 2h35
